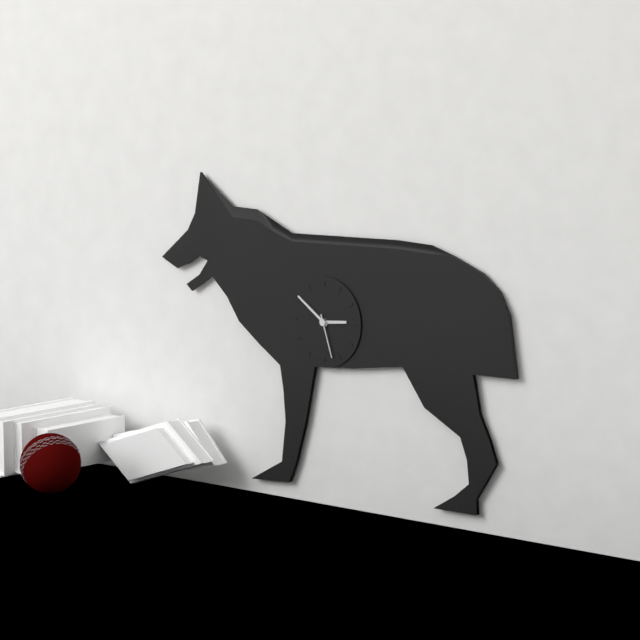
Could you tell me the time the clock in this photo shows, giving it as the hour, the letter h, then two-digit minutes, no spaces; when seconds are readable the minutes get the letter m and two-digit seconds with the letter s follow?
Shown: 2h51
